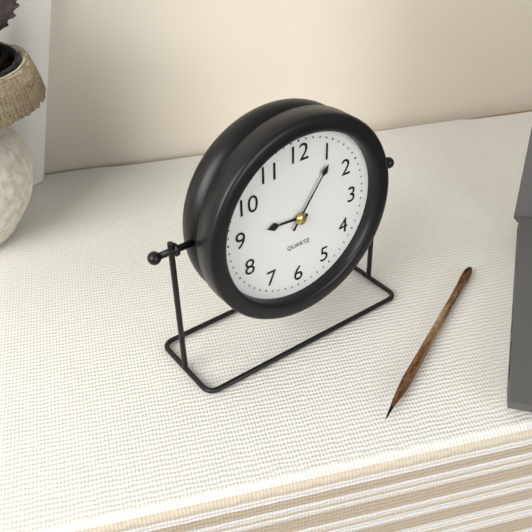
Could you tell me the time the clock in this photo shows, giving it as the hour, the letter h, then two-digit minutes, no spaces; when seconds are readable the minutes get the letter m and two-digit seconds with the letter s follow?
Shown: 9h06
